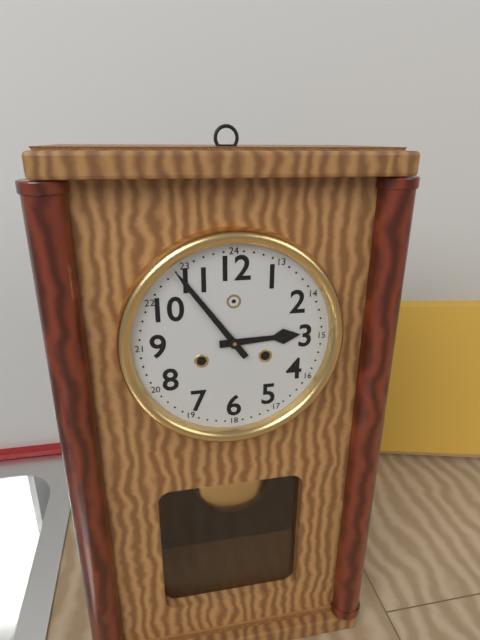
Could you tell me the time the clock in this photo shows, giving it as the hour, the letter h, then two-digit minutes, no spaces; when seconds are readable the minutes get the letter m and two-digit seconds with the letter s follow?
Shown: 2h54
